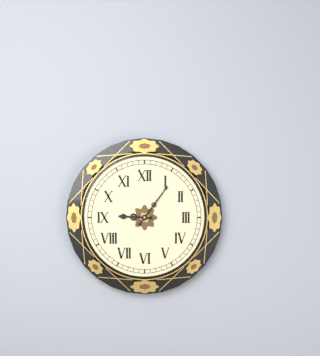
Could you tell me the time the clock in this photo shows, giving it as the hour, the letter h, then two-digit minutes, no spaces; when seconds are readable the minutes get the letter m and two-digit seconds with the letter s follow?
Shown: 9h06
